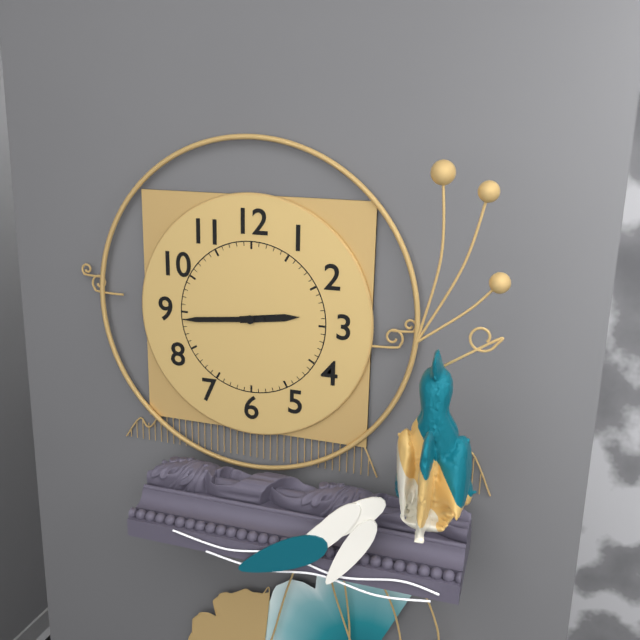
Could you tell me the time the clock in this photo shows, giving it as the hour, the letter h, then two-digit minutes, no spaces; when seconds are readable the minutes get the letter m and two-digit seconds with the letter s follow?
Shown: 2h44
